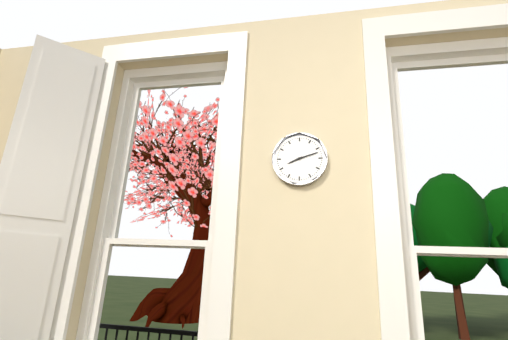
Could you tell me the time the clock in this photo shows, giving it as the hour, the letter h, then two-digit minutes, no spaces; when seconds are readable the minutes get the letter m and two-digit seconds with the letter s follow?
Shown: 8h12
